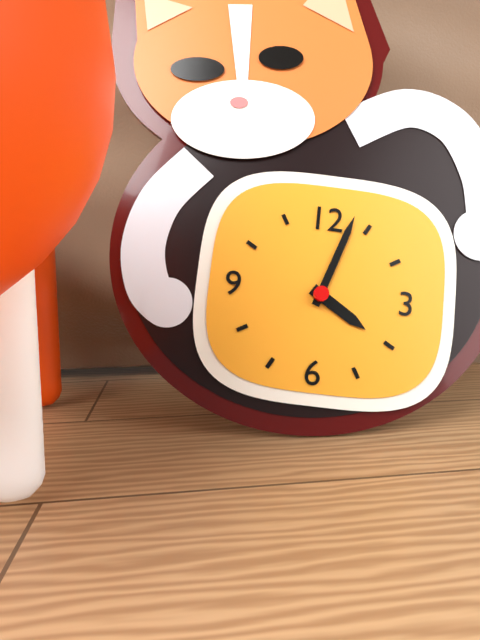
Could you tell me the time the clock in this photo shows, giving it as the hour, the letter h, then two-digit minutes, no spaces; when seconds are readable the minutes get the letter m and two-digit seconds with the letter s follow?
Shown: 4h03
